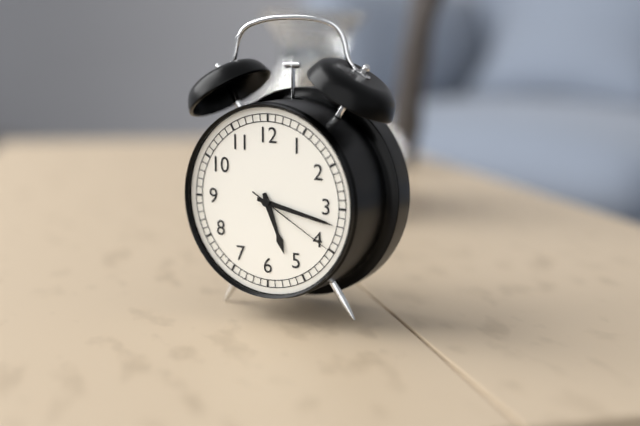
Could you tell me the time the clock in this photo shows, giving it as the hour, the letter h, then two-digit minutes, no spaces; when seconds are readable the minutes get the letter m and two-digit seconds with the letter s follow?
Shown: 5h17m20s
